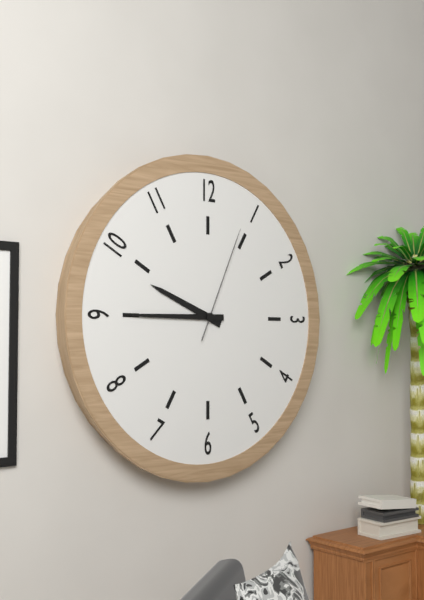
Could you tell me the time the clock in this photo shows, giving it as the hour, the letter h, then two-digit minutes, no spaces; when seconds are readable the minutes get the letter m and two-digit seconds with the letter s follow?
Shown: 9h45m04s
